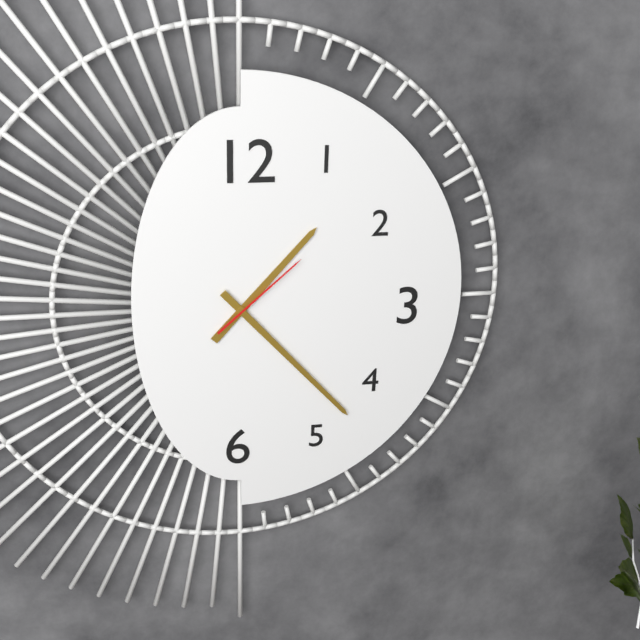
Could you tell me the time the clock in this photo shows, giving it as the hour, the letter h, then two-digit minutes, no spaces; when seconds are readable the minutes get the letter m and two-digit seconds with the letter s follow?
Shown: 1h23m08s
